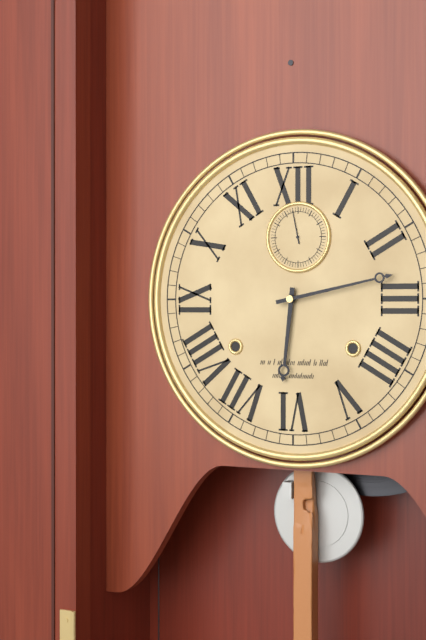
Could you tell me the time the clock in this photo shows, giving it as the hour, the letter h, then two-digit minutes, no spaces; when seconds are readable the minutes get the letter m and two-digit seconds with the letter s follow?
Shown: 6h13
